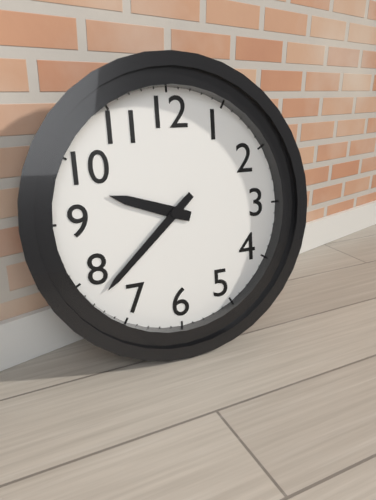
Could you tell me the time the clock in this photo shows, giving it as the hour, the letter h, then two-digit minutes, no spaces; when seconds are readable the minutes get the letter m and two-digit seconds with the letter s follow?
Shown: 9h38
